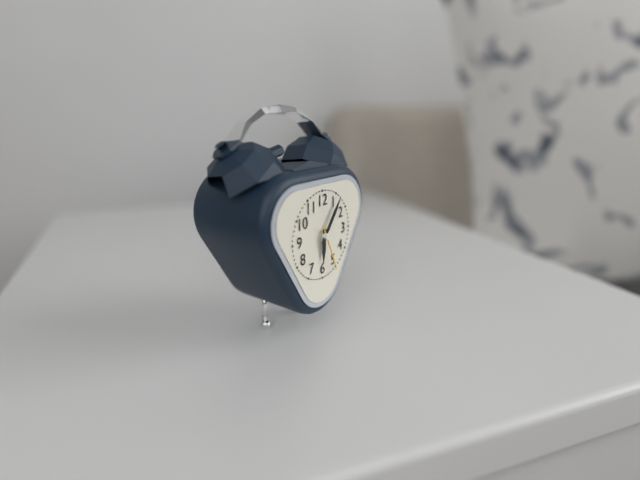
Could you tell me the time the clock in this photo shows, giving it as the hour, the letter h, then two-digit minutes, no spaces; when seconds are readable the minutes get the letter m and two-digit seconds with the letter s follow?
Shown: 6h06
